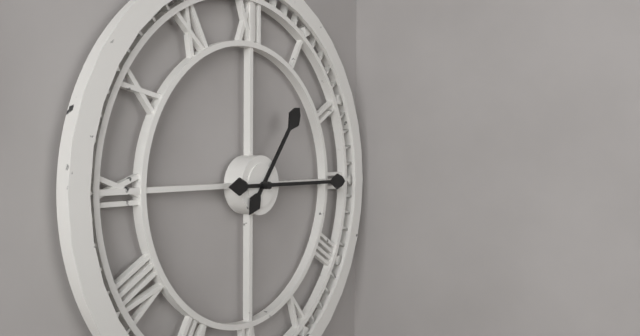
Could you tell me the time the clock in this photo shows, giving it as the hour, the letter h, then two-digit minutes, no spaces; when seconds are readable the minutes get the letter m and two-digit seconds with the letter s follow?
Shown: 1h15
